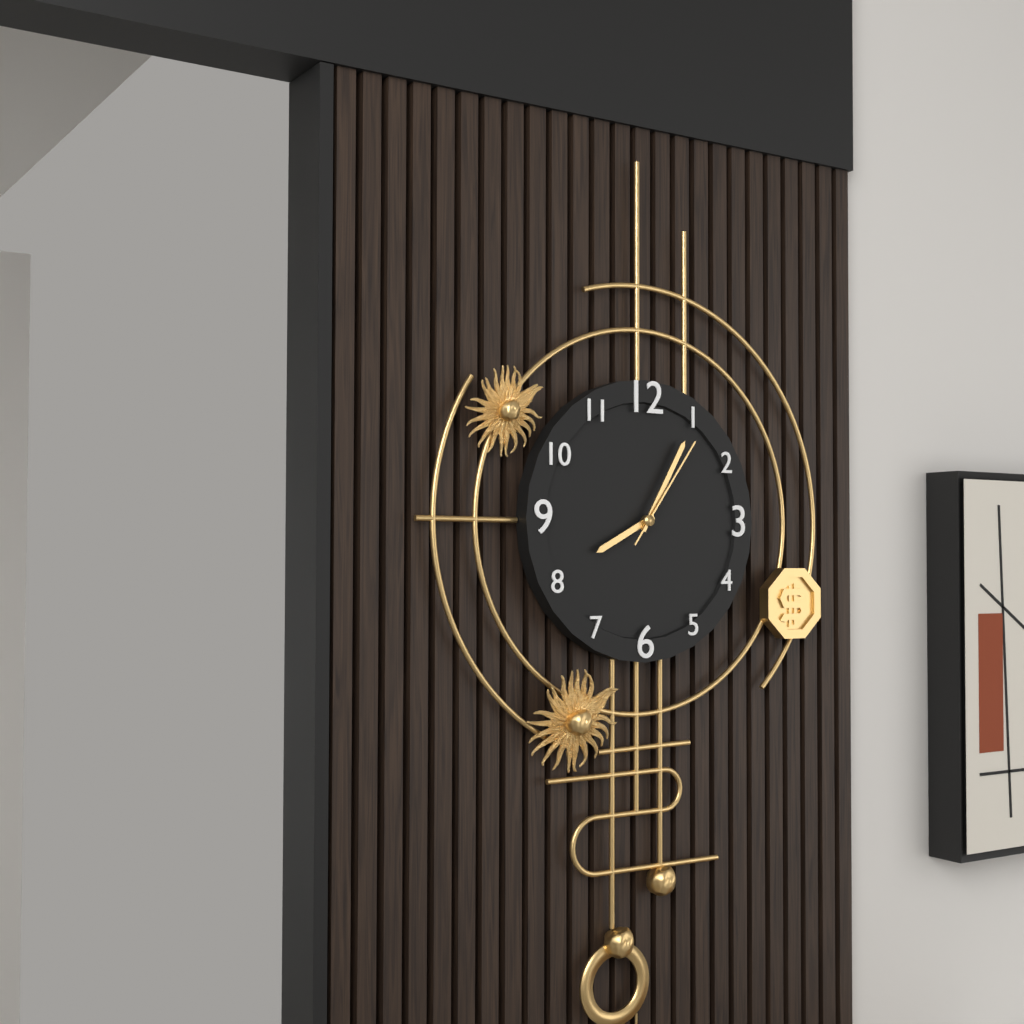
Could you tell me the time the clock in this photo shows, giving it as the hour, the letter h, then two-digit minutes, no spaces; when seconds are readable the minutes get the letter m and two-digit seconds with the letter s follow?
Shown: 8h05m06s
